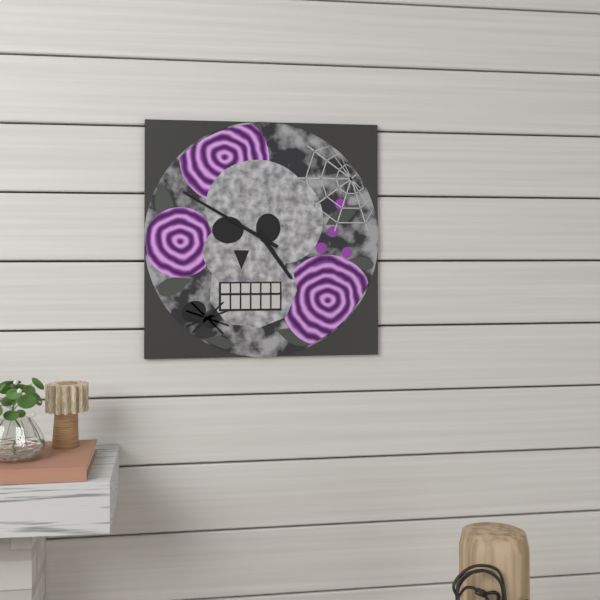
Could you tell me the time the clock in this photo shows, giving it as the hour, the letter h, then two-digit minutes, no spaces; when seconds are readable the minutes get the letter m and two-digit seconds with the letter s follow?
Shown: 4h50
